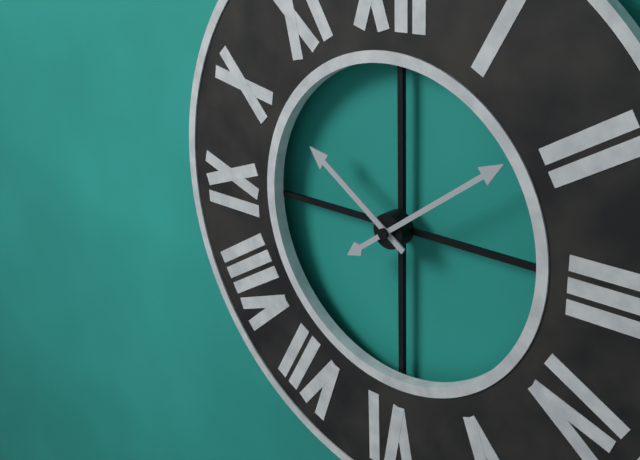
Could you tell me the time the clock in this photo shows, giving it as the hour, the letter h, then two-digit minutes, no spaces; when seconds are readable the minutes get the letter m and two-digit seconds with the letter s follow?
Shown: 10h09
